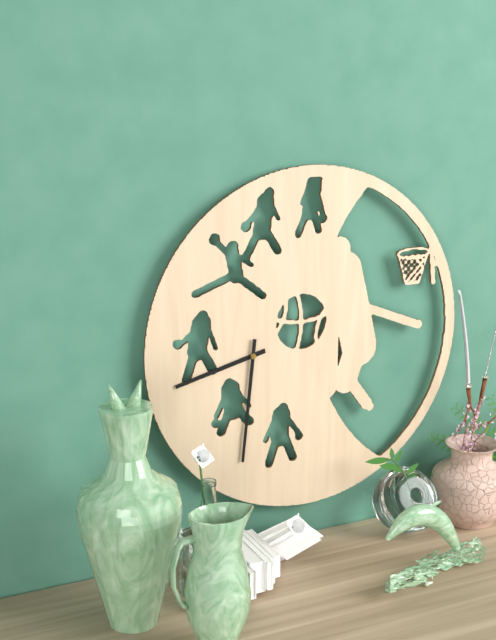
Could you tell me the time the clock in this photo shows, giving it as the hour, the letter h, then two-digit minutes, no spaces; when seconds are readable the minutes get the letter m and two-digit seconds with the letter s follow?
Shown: 8h31
